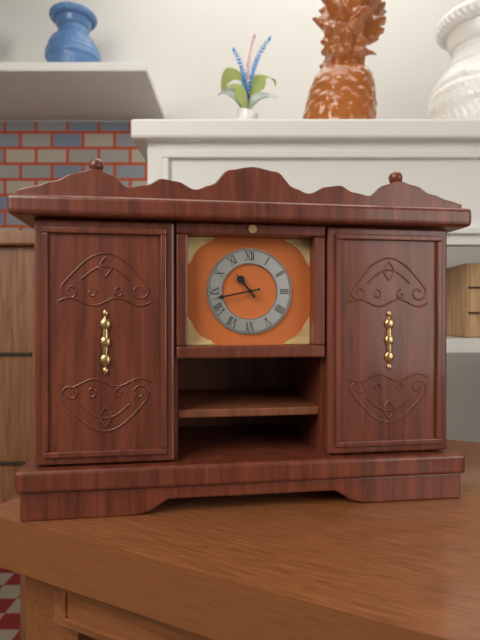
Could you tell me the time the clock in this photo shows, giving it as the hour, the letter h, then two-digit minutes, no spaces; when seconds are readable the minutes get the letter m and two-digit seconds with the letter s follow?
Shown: 10h43
